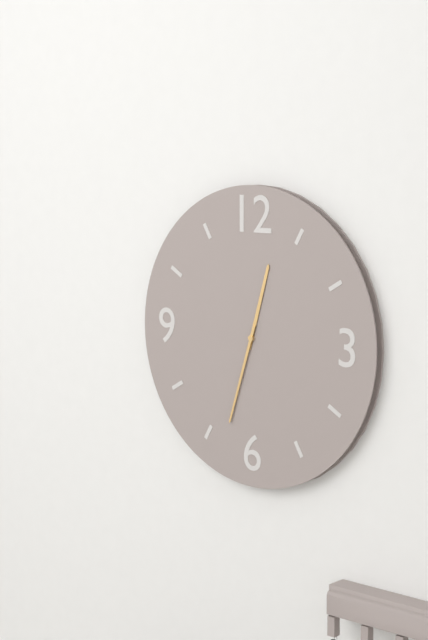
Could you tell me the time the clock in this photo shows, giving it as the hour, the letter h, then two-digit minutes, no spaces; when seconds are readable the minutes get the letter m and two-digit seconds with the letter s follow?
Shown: 12h33
